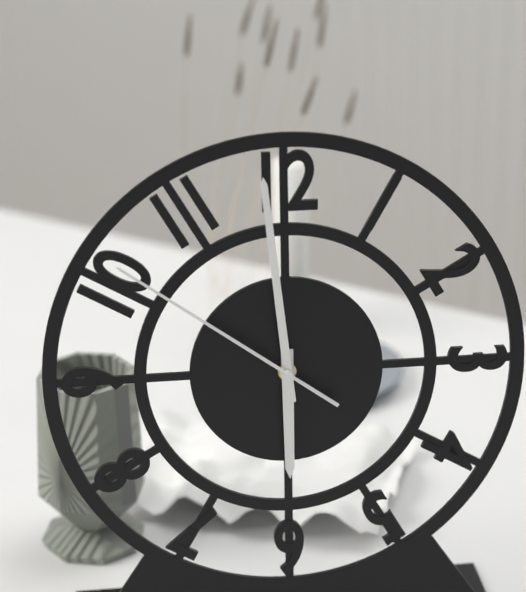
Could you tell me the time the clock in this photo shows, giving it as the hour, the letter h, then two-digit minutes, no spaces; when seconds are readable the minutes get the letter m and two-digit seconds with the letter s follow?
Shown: 5h59m51s
